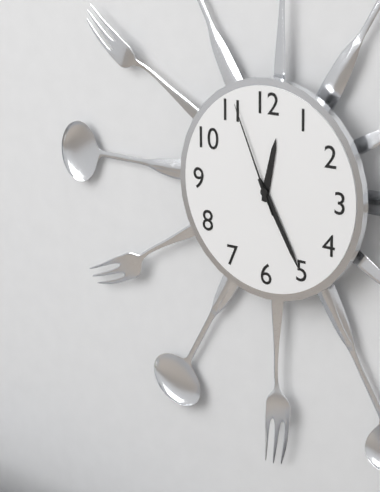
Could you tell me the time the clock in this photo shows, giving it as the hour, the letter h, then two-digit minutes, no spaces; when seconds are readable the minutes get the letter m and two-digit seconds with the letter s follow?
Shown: 12h25m56s
